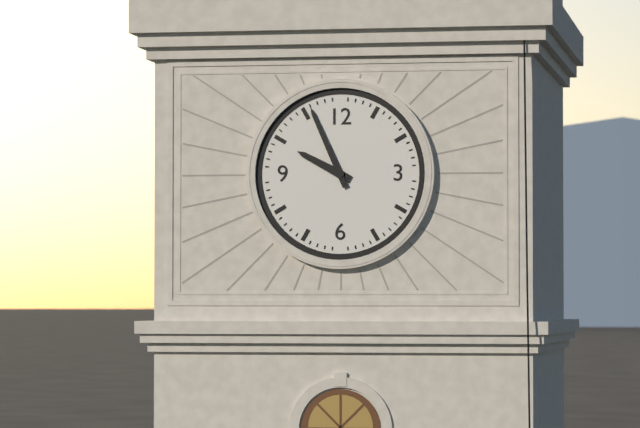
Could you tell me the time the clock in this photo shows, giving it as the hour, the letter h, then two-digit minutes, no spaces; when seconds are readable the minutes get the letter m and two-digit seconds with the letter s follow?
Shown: 9h56
